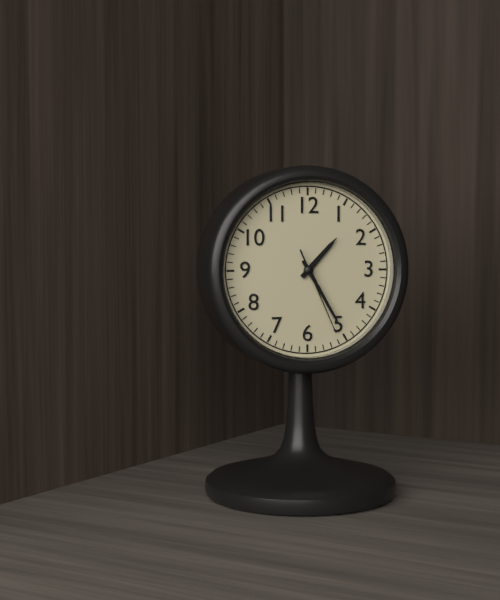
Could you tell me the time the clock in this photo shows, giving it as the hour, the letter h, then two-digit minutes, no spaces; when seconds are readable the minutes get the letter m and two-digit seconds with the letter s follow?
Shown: 1h25m26s
